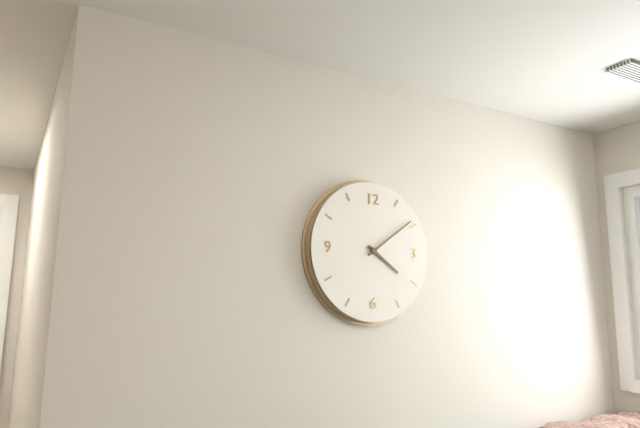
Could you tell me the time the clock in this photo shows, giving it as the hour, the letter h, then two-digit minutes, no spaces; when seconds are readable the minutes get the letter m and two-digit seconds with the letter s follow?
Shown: 4h09
